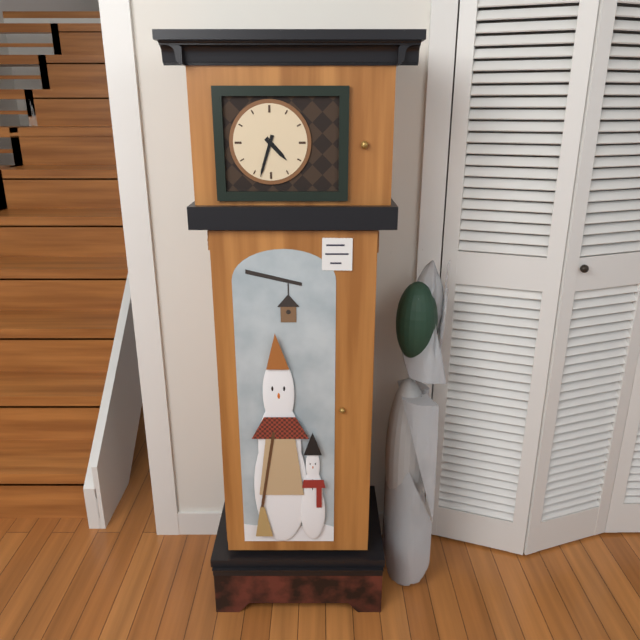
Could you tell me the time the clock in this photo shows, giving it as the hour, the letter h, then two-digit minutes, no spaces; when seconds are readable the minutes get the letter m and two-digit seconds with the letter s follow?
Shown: 4h33
